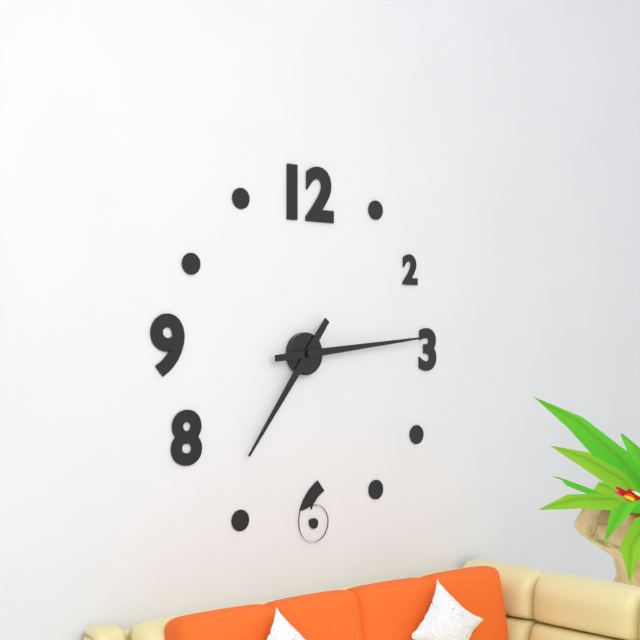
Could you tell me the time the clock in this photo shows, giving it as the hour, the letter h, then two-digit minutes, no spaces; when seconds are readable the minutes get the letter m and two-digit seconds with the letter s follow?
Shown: 7h14
